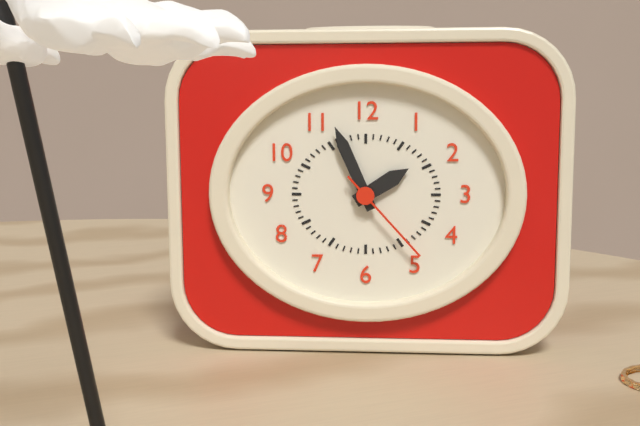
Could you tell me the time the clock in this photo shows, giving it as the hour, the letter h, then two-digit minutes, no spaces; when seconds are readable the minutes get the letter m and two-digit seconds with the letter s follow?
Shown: 1h56m23s
